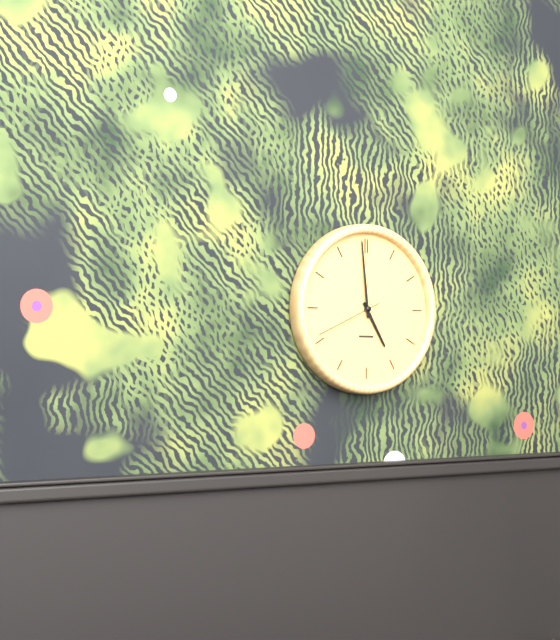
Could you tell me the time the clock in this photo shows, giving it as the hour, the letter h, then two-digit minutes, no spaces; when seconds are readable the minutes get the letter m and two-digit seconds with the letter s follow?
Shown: 4h59m41s
